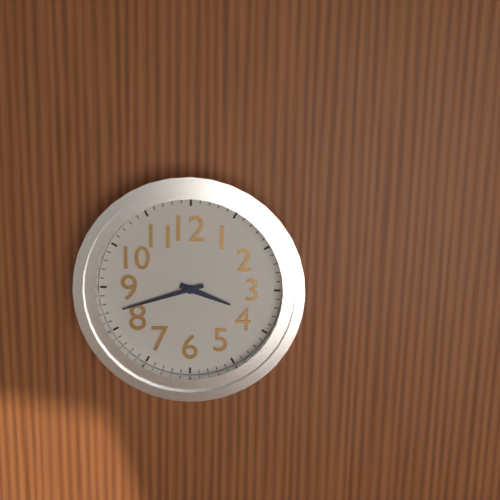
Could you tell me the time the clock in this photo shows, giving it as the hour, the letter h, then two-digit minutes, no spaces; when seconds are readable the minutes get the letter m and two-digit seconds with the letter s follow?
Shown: 3h42
